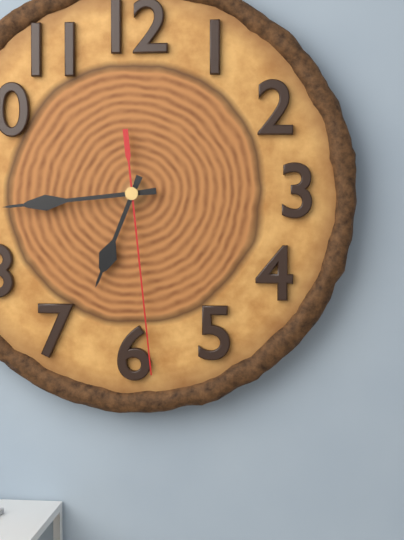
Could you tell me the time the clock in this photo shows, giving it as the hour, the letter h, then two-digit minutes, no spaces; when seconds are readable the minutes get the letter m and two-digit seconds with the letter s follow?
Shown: 6h44m29s
